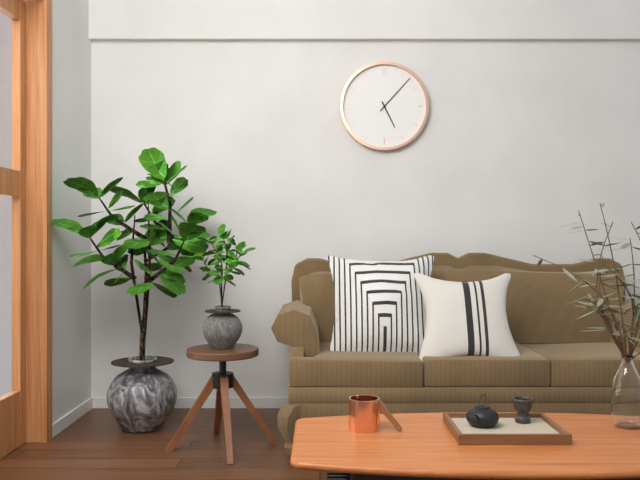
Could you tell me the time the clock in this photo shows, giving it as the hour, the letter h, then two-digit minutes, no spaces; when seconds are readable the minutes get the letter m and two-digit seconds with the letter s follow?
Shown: 5h07
